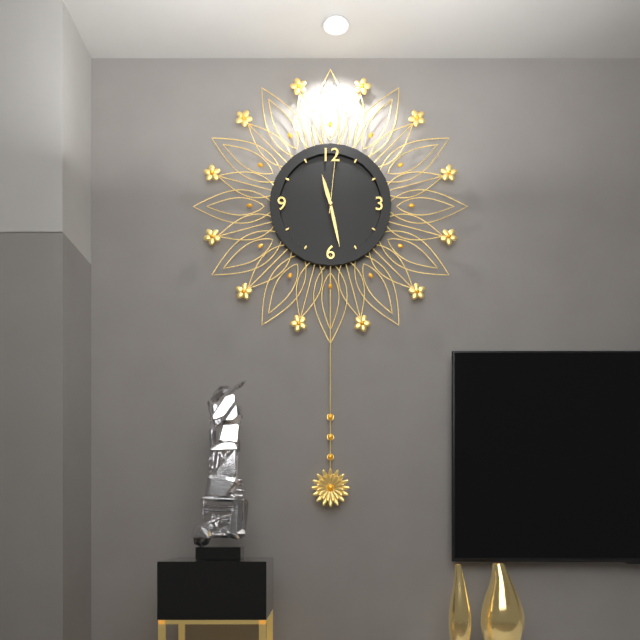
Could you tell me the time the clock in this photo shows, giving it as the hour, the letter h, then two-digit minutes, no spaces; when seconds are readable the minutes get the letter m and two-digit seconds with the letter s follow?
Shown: 11h28m01s
